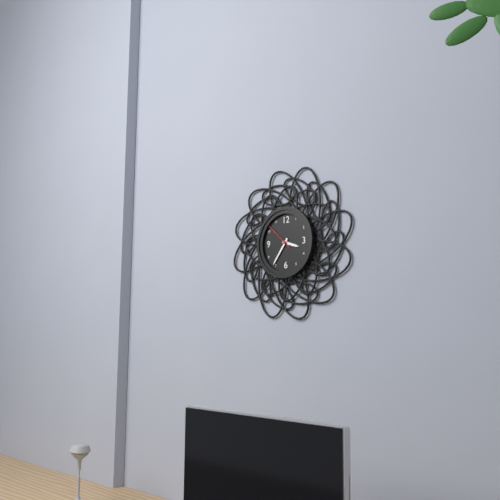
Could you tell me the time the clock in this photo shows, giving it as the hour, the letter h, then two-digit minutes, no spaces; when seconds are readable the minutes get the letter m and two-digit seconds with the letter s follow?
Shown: 3h36
